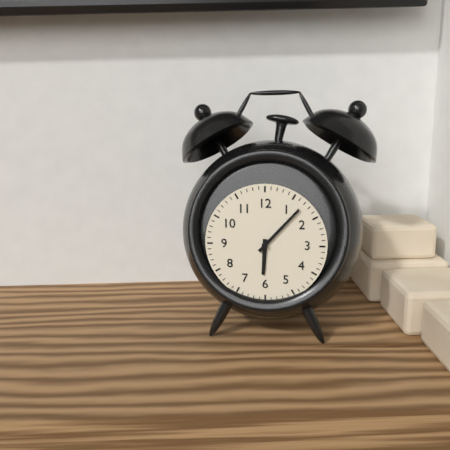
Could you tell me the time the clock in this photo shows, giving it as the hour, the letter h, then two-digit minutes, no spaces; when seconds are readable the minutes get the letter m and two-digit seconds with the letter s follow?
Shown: 6h07
